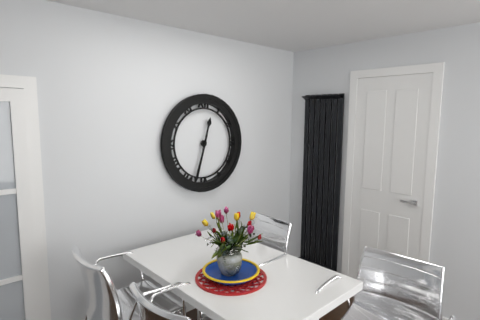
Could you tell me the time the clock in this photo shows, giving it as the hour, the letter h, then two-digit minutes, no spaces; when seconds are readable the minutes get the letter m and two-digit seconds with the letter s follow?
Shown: 12h33
